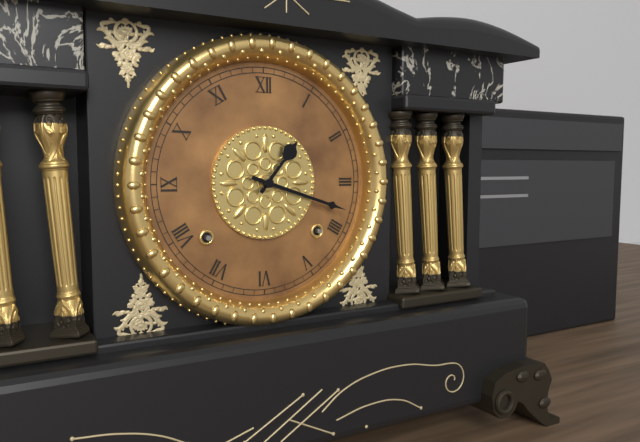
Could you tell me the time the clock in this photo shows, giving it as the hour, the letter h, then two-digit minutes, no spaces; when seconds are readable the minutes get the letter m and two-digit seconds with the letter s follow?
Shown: 1h18
